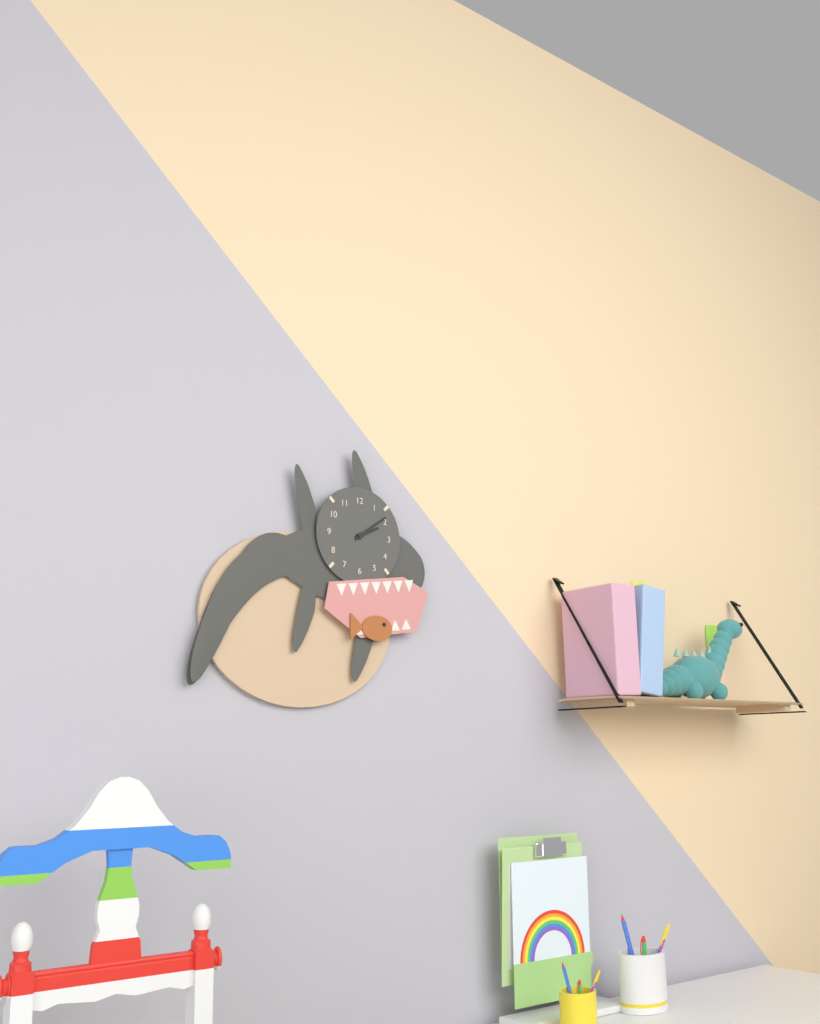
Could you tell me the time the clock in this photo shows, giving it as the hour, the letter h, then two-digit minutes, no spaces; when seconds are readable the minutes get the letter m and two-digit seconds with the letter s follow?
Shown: 2h09
